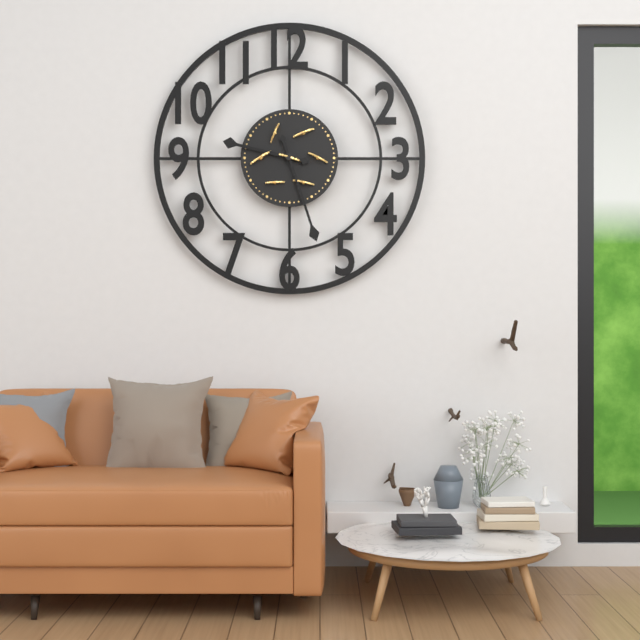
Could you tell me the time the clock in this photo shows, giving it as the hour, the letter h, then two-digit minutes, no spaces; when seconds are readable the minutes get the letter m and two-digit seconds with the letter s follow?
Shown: 9h27
